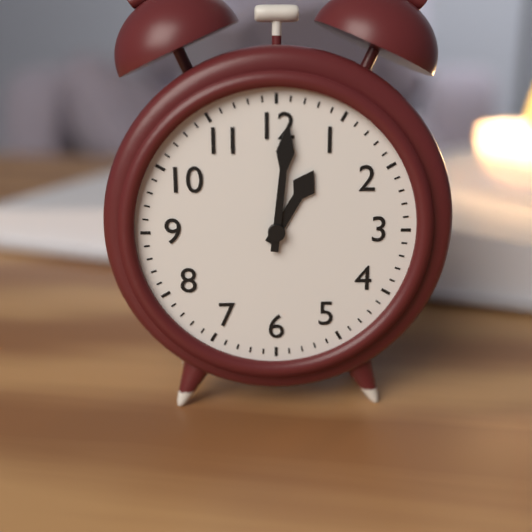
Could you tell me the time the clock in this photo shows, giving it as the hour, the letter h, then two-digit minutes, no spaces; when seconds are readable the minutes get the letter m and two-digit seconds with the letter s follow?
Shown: 1h01
